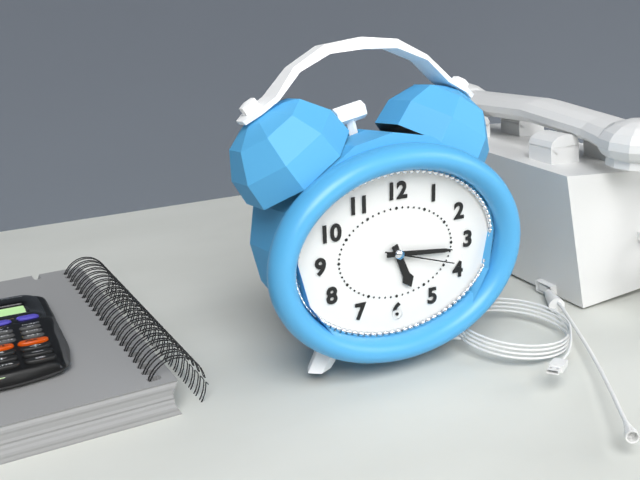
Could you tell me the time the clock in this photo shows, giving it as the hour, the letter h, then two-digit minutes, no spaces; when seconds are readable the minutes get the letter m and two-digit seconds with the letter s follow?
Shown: 5h16m18s
